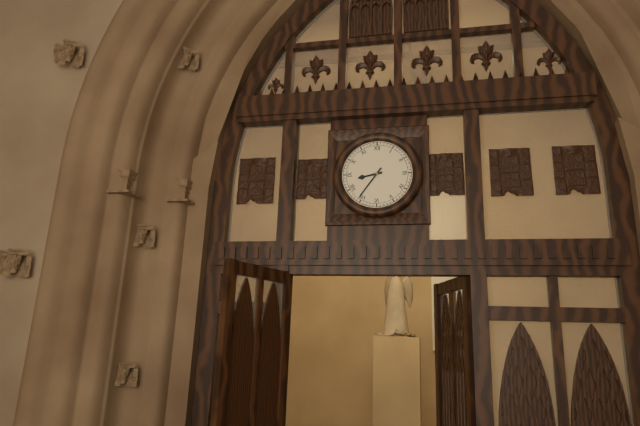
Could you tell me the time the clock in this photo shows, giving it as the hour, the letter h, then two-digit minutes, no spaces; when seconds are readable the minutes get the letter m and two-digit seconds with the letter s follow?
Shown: 8h36
